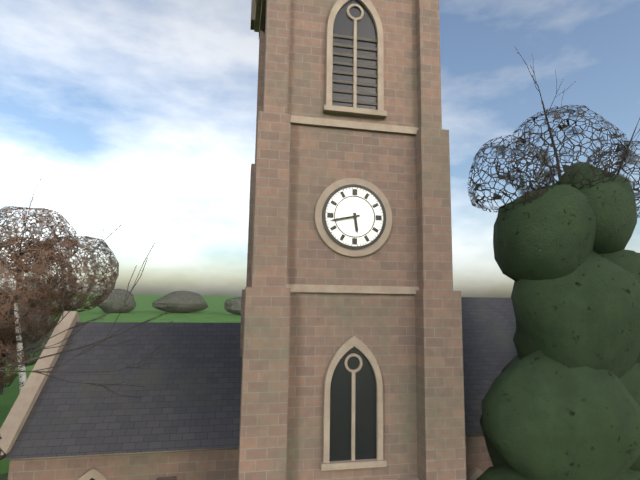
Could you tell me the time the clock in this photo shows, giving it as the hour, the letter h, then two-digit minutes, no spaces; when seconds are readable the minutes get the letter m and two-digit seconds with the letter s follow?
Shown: 5h43
